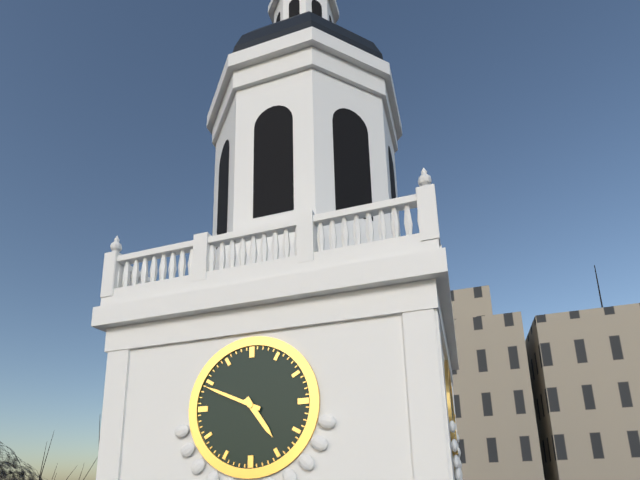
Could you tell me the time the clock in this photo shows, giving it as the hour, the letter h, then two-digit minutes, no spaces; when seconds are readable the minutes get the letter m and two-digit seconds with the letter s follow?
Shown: 4h49
